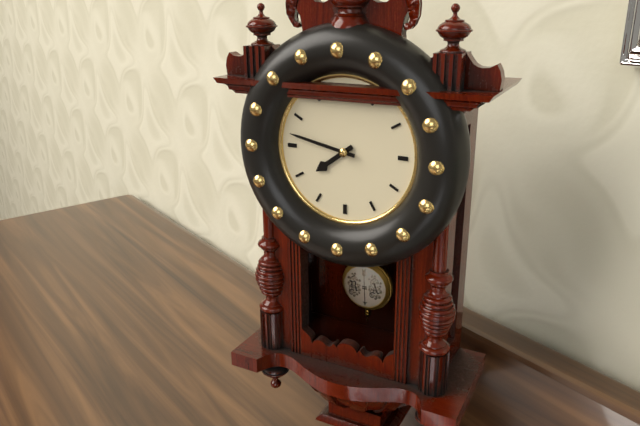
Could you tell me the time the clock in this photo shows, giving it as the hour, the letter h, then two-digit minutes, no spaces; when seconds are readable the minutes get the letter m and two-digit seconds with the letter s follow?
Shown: 7h47
